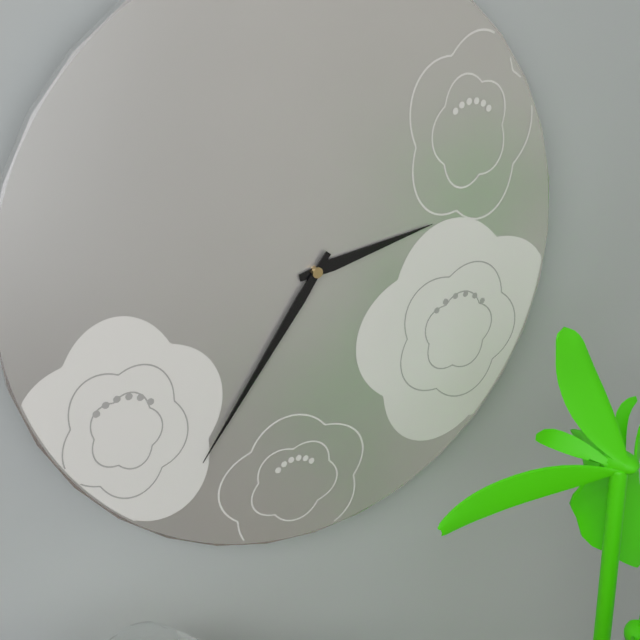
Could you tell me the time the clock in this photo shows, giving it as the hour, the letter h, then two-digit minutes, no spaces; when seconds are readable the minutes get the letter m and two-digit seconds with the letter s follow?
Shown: 2h36
